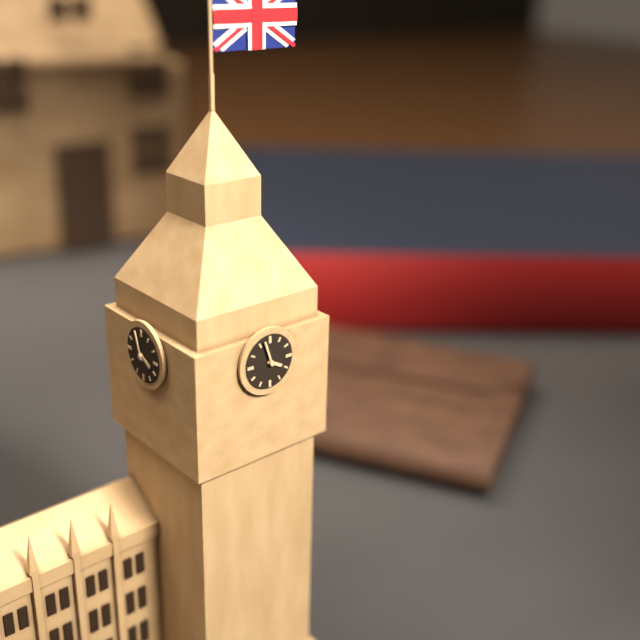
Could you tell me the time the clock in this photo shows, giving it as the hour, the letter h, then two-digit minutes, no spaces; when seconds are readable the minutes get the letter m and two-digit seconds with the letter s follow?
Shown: 3h57
